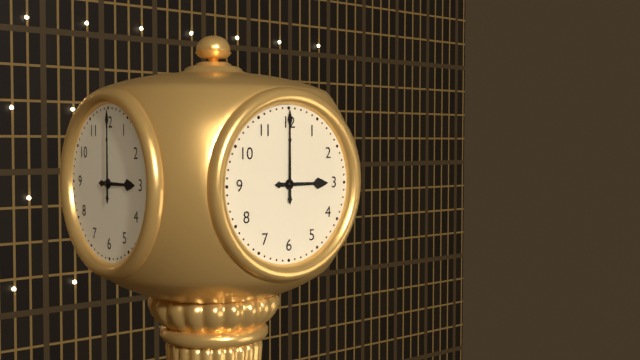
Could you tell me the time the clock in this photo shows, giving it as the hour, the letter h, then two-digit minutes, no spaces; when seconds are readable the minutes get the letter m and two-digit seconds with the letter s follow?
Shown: 3h00
